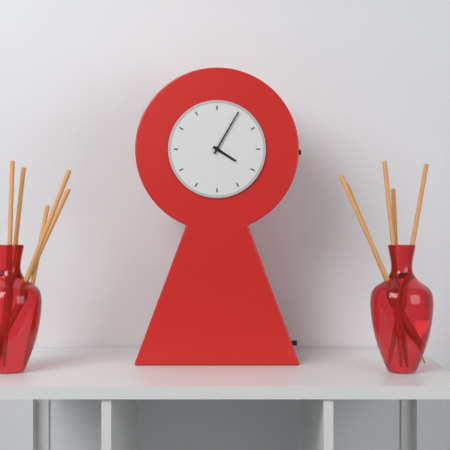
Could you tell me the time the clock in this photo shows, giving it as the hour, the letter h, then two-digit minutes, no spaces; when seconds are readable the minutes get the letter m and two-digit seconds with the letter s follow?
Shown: 4h05
